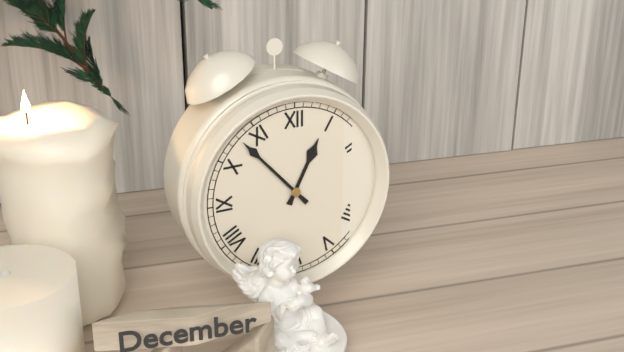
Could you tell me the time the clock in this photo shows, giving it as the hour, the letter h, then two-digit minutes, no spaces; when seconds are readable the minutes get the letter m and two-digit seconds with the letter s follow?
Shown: 12h53
